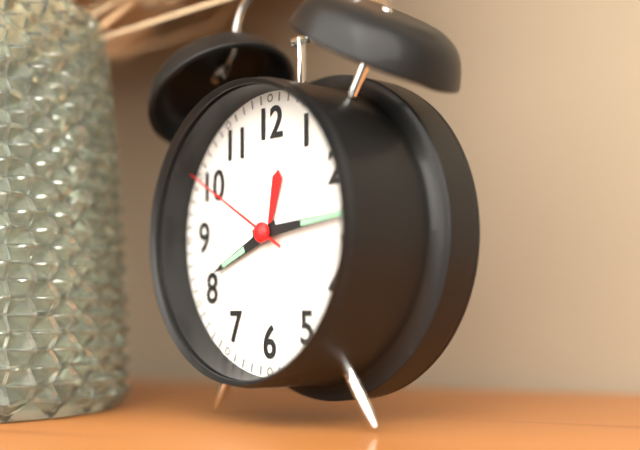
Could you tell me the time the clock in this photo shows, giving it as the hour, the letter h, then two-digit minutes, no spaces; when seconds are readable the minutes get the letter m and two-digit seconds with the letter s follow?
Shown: 8h14m50s
